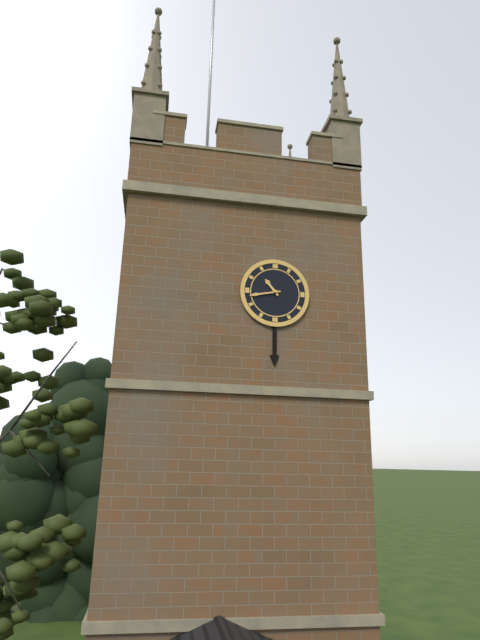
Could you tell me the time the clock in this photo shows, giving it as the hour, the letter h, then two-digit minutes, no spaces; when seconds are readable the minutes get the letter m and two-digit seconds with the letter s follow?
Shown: 10h43
